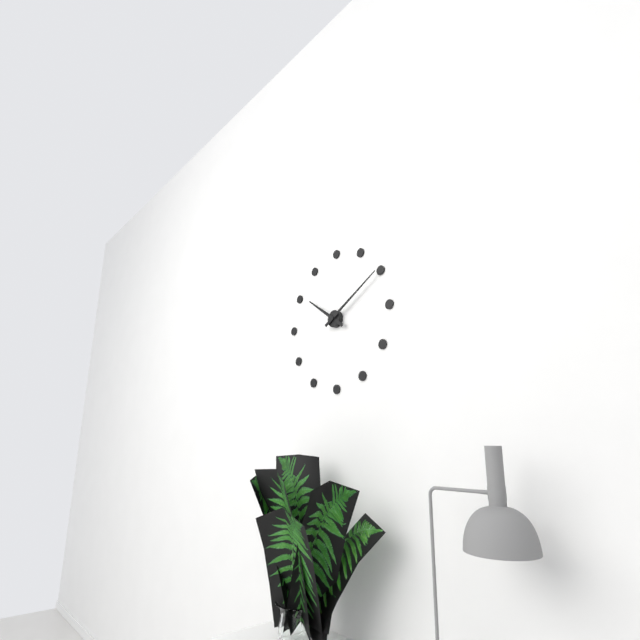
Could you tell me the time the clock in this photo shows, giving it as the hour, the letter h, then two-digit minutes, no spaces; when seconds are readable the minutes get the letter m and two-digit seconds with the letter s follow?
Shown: 10h10
